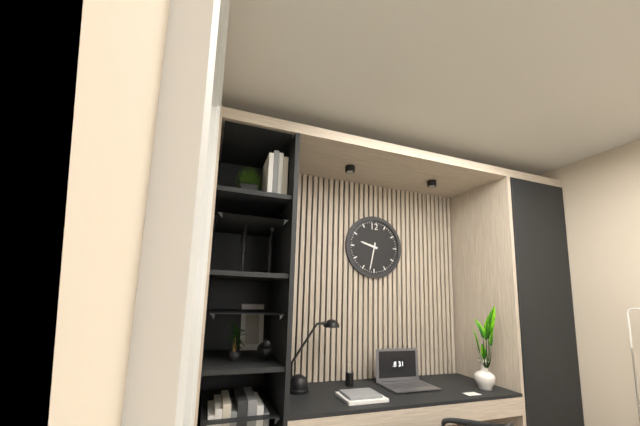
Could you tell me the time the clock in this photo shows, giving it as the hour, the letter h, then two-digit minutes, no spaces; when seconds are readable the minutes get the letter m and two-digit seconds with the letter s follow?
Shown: 9h32
